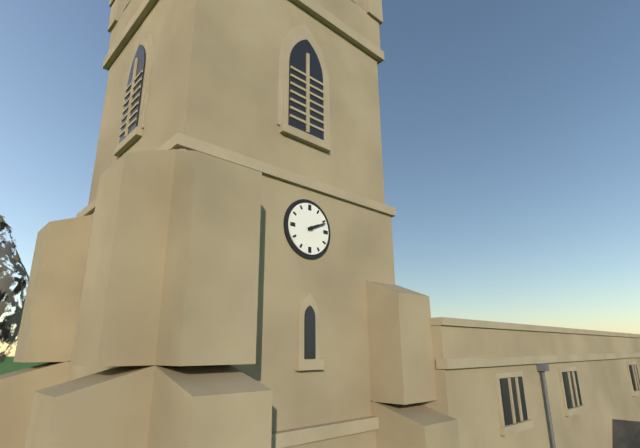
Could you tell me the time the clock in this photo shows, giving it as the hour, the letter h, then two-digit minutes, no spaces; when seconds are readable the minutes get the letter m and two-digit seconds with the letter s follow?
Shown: 2h11
